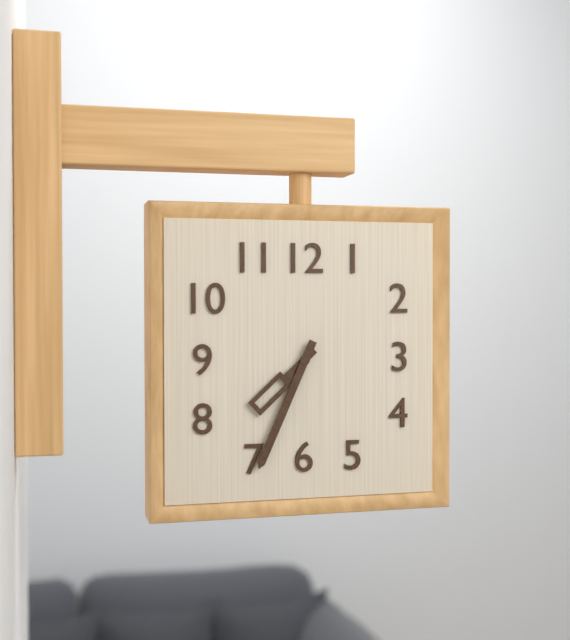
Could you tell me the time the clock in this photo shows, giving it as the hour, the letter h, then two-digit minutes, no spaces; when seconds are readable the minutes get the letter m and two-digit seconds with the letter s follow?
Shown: 7h34
